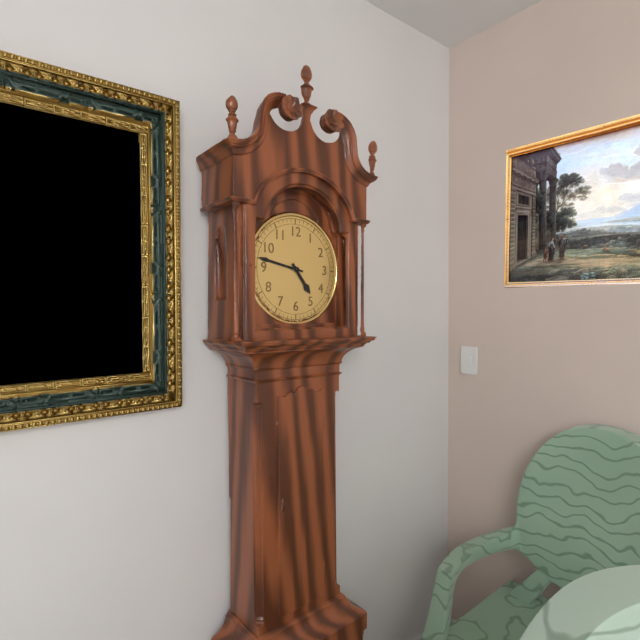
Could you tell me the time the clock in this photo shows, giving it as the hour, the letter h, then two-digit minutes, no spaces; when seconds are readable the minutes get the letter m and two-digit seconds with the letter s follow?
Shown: 4h47
